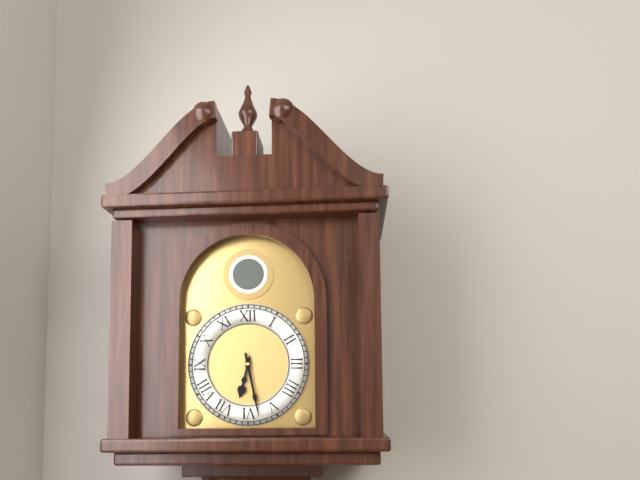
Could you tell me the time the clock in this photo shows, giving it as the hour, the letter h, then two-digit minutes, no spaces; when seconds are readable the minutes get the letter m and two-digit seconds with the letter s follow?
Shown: 6h28
